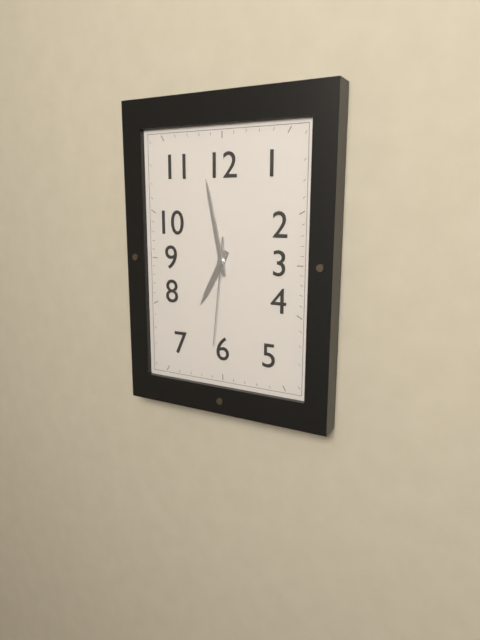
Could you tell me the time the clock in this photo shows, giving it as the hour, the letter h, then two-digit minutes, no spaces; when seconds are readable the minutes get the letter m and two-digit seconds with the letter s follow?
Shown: 6h58m31s
